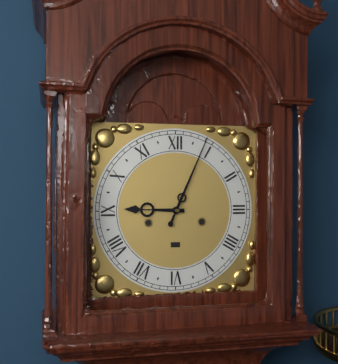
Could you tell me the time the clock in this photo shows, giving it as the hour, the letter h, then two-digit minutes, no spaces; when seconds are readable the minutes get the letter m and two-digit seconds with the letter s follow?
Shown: 9h04
